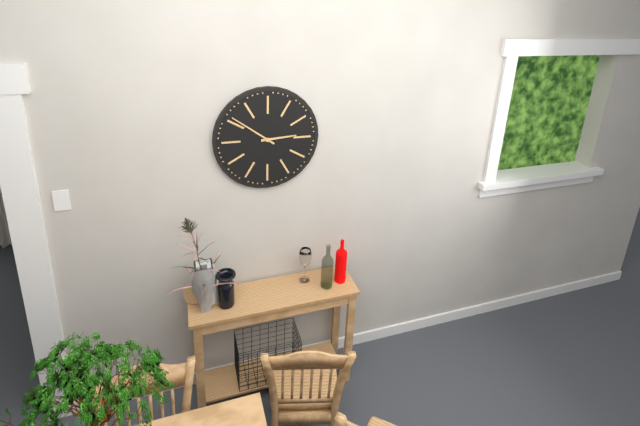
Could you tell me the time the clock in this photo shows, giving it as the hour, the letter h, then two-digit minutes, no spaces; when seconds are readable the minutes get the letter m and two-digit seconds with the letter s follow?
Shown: 2h51
